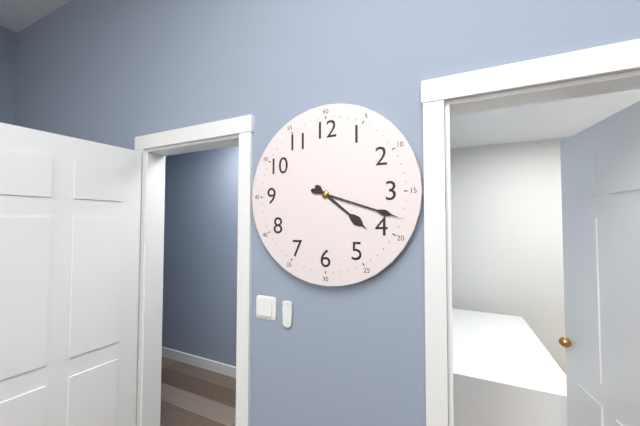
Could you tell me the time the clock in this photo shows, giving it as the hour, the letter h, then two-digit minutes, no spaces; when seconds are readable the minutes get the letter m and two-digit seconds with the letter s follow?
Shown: 4h18
